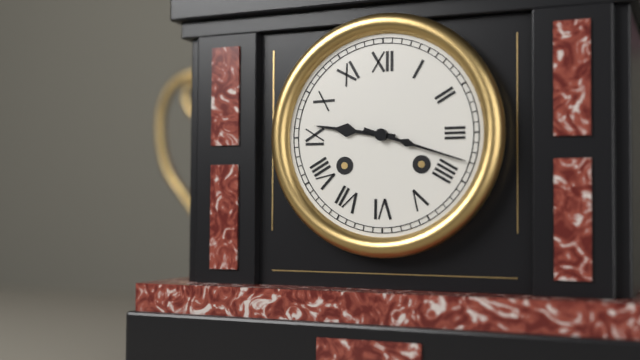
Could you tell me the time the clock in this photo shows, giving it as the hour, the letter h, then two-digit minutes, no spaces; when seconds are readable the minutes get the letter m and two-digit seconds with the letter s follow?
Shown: 9h18
